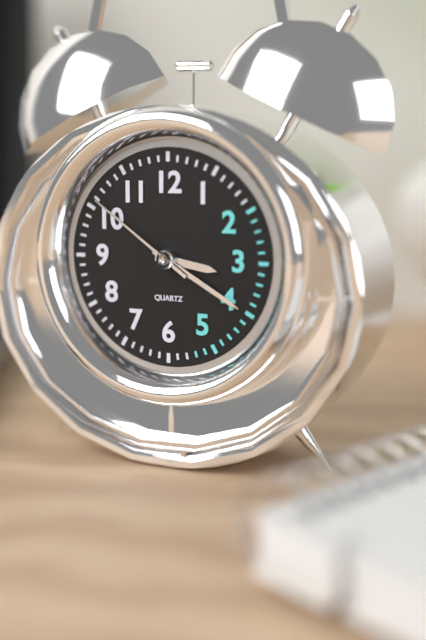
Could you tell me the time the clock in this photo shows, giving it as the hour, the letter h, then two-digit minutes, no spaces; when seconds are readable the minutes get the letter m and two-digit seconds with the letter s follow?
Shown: 3h20m51s
